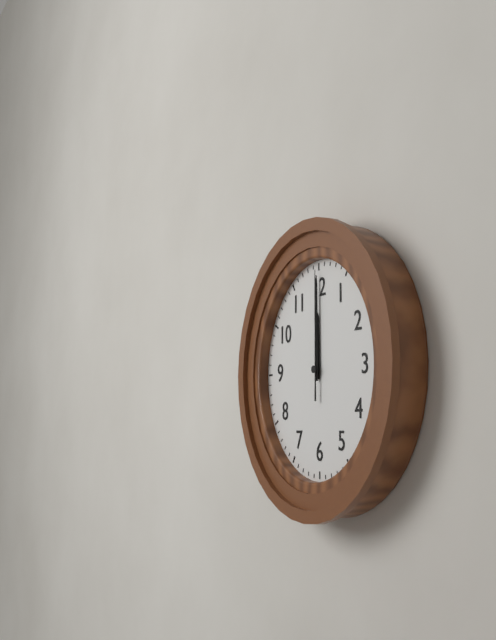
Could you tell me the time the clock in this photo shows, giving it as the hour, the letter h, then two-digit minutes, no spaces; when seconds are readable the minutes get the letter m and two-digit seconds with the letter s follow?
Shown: 12h00m00s
